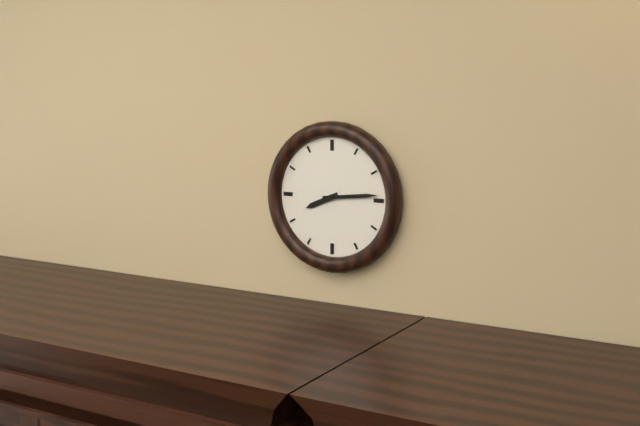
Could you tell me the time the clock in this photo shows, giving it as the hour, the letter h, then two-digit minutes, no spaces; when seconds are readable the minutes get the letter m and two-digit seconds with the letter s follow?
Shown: 8h14
